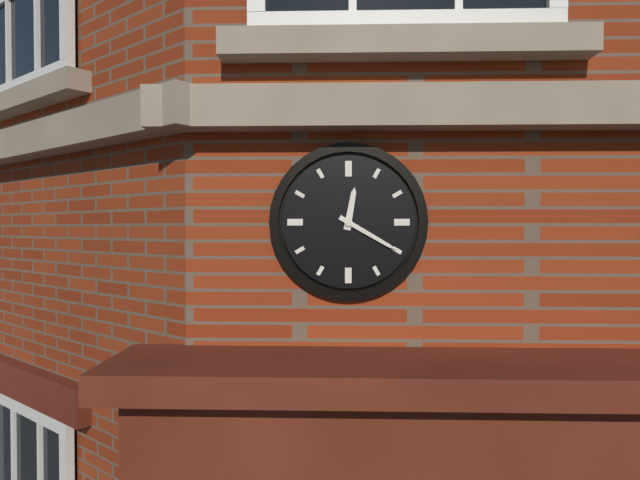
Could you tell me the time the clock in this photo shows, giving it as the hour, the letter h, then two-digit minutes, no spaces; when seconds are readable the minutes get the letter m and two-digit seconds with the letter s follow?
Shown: 12h20
